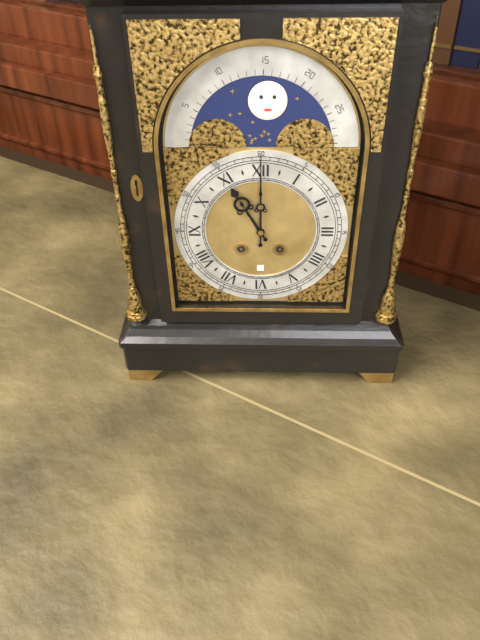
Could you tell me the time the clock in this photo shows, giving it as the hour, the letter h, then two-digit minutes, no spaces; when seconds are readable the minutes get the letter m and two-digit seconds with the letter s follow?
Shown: 11h00
